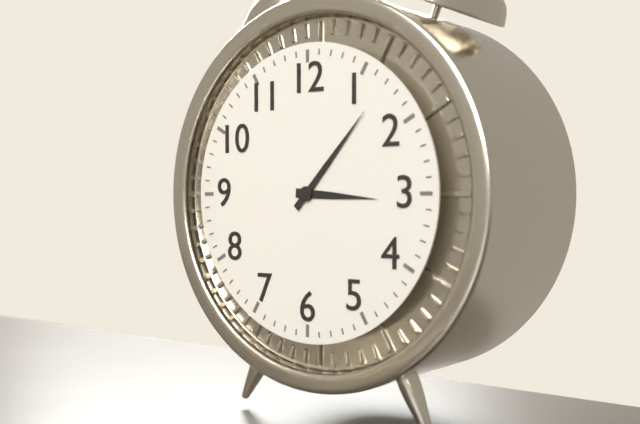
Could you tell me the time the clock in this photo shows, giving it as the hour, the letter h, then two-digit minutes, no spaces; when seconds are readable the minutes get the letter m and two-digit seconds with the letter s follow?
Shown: 3h07
